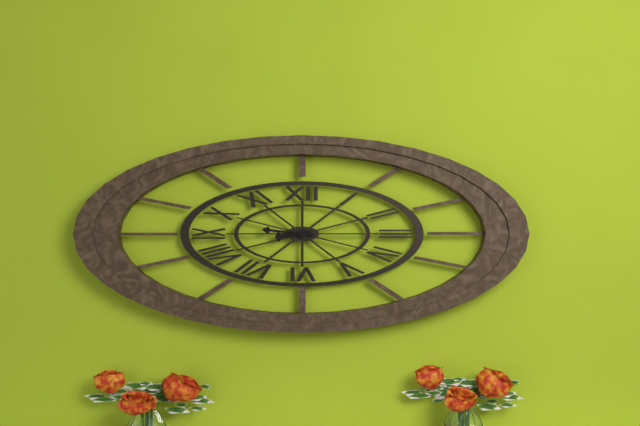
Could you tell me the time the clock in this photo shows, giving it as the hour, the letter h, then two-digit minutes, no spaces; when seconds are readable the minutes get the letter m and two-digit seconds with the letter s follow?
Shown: 8h46
